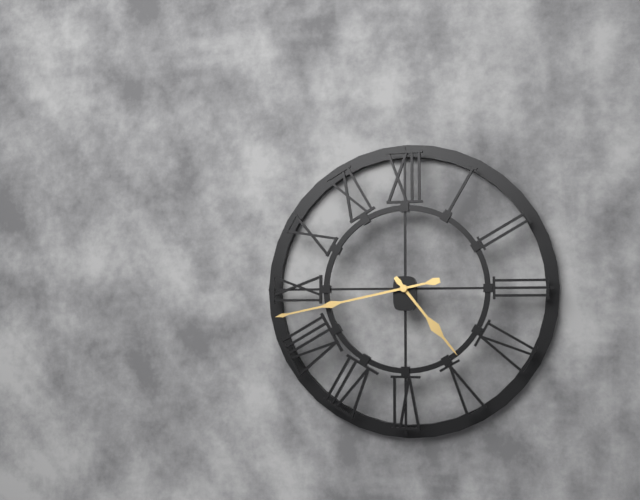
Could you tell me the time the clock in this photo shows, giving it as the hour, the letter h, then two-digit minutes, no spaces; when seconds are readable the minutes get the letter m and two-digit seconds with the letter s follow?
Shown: 4h43
